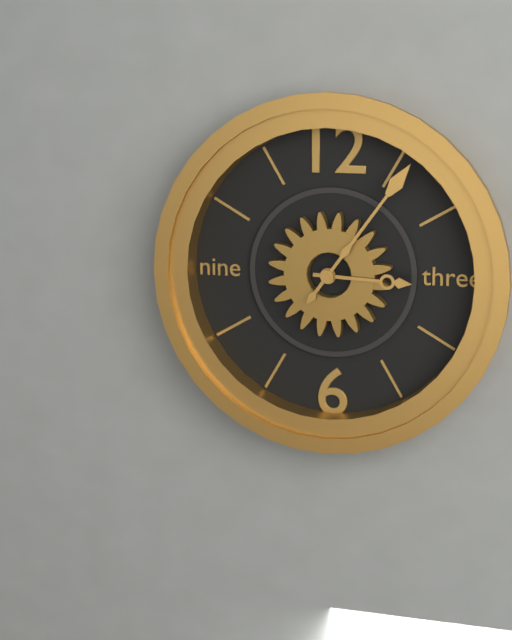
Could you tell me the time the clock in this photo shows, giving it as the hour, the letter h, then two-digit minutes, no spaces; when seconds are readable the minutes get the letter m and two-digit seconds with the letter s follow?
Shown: 3h06
